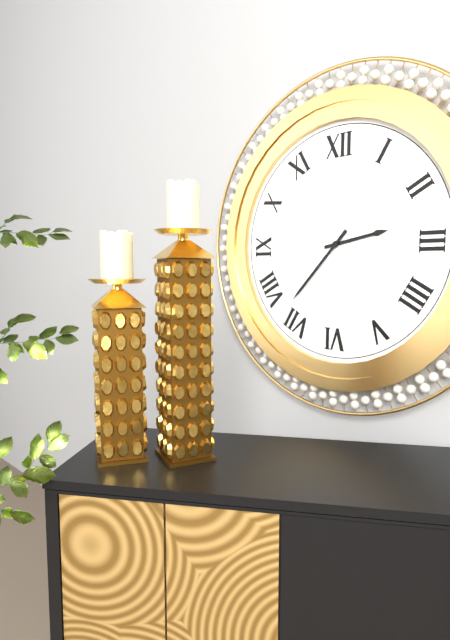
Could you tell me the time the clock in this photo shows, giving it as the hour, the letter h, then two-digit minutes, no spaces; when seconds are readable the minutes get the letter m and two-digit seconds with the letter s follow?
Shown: 2h37
